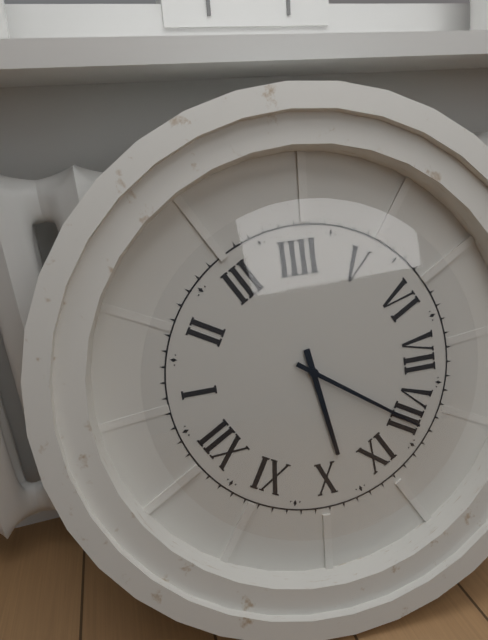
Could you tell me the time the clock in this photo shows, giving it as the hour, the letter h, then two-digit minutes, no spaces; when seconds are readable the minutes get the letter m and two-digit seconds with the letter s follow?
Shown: 9h41
